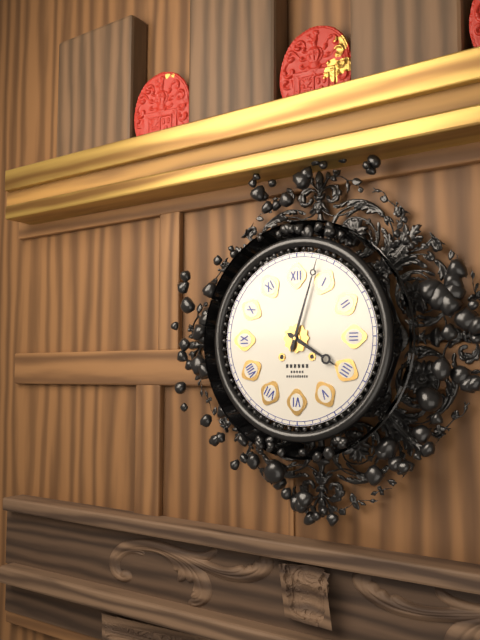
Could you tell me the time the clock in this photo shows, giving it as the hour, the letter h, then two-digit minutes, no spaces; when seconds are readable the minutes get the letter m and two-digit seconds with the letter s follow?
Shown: 4h03
